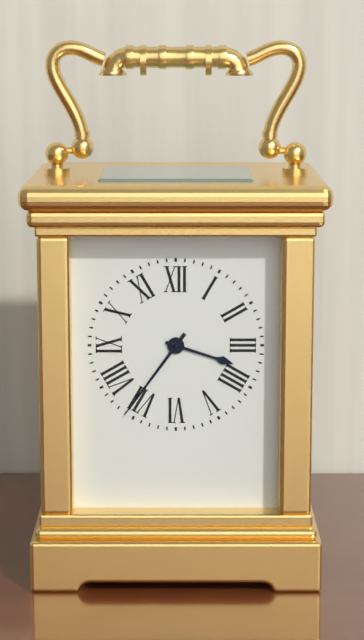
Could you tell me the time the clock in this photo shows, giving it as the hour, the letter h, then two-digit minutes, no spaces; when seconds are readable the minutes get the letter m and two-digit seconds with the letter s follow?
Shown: 3h36
